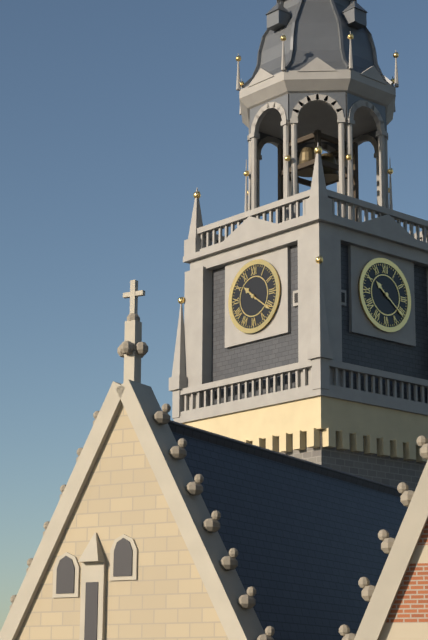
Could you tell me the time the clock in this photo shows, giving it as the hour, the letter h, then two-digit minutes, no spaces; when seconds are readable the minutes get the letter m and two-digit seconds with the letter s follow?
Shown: 10h21
